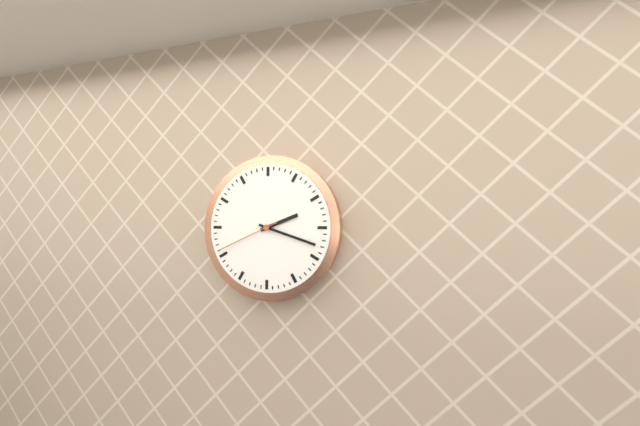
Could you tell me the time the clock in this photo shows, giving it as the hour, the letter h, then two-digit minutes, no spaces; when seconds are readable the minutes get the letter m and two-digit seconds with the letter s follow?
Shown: 2h18m41s
